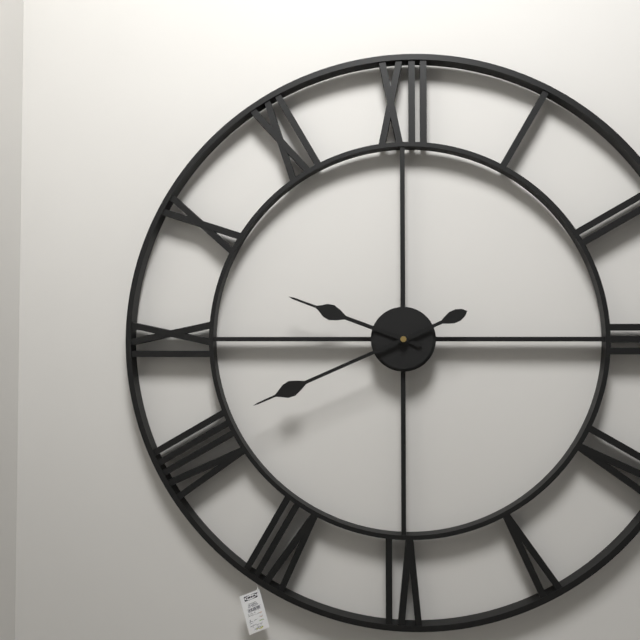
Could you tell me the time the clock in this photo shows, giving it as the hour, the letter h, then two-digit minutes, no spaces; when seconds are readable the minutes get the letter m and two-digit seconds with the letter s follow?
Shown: 9h41
